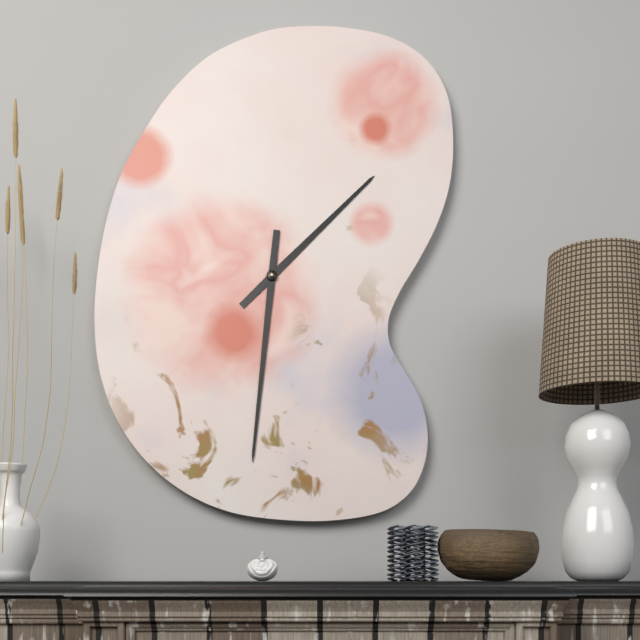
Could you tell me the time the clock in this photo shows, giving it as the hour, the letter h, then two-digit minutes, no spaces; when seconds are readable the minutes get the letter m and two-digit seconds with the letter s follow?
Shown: 1h31
